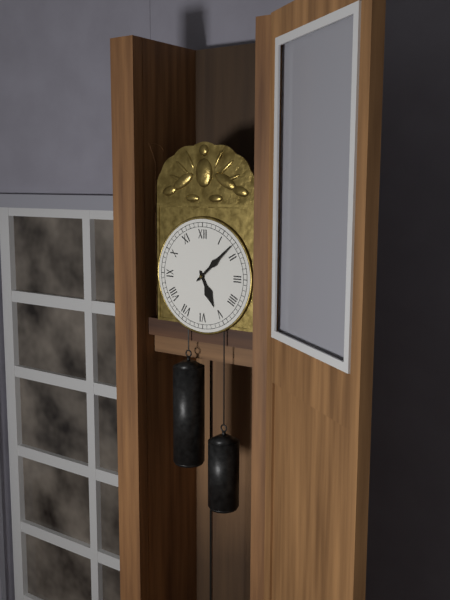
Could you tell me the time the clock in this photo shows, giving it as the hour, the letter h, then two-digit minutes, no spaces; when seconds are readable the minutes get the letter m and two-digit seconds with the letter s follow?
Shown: 5h08
